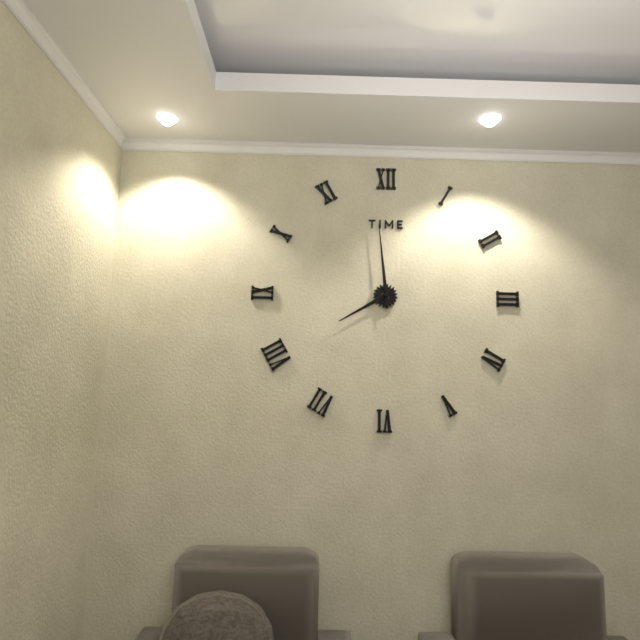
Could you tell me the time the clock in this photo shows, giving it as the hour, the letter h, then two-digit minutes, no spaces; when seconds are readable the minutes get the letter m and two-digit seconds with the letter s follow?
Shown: 7h59
